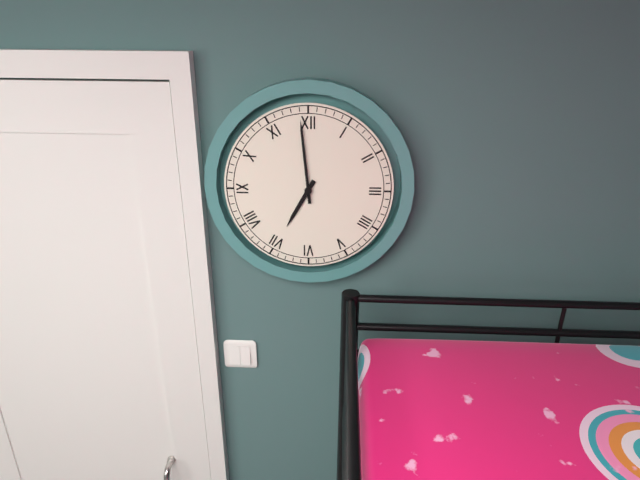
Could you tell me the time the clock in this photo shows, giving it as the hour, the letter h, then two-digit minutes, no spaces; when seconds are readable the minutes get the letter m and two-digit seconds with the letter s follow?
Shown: 6h59
